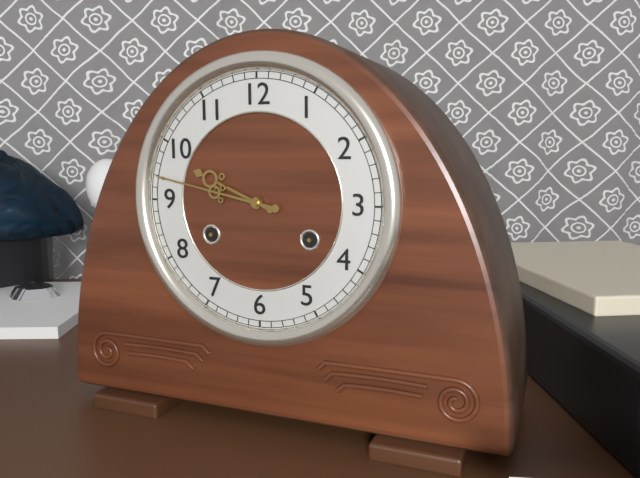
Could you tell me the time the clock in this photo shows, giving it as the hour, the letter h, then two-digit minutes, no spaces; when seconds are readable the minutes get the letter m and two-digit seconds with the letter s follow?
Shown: 9h47
